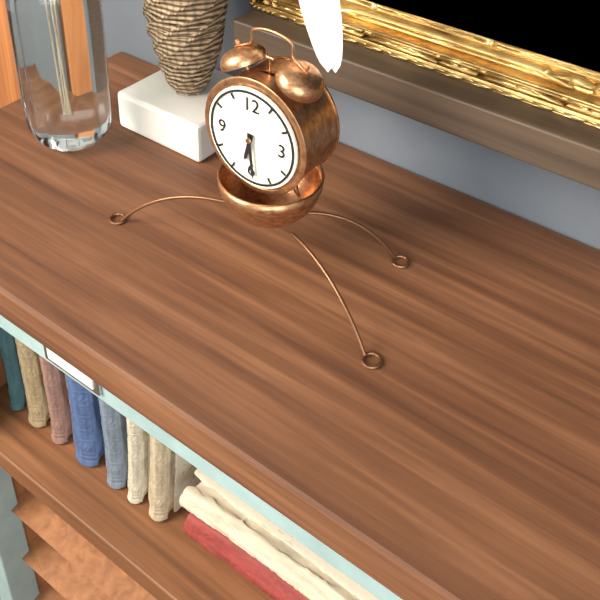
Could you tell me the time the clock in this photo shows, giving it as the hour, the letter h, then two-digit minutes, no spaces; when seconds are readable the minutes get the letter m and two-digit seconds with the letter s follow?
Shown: 6h29
